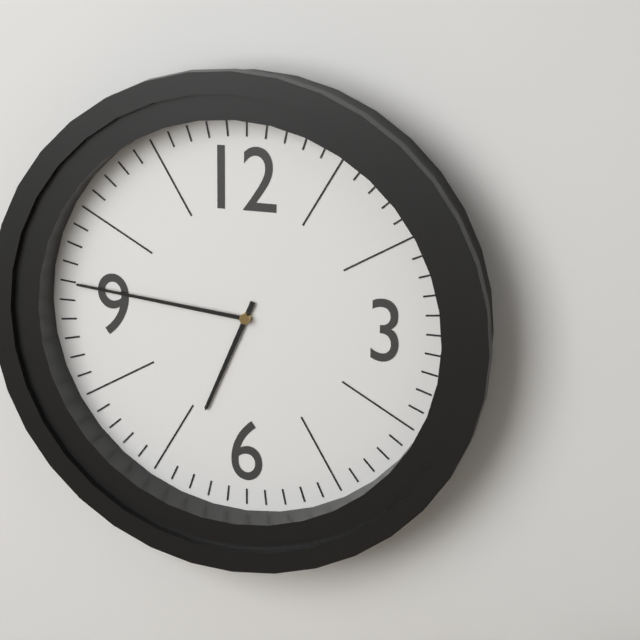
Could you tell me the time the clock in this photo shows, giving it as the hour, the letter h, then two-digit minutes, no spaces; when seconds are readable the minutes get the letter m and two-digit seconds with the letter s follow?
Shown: 6h46
